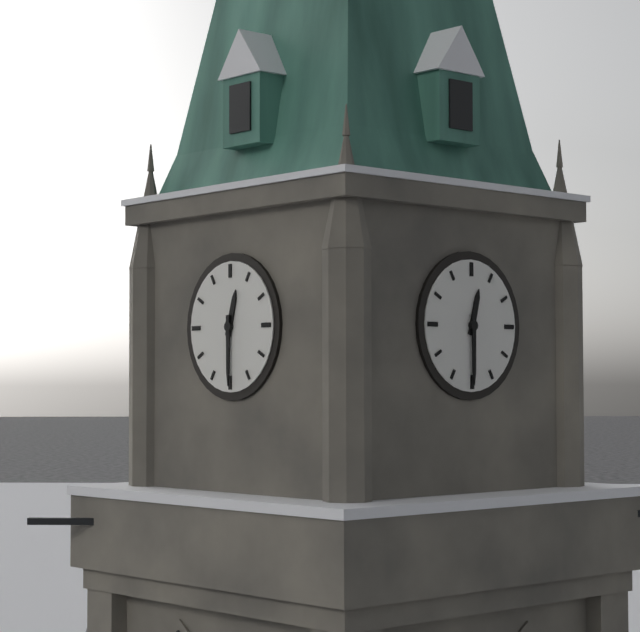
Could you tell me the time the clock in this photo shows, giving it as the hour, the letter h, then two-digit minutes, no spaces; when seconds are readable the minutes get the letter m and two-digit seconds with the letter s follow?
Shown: 12h30
